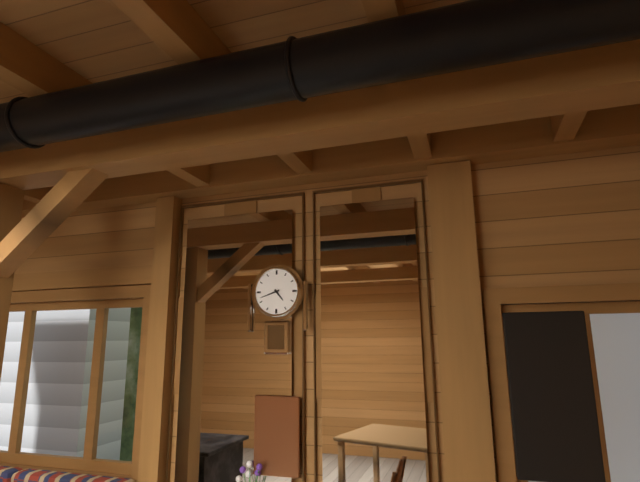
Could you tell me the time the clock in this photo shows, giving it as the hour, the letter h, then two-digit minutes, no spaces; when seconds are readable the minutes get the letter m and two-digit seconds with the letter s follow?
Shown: 4h42
